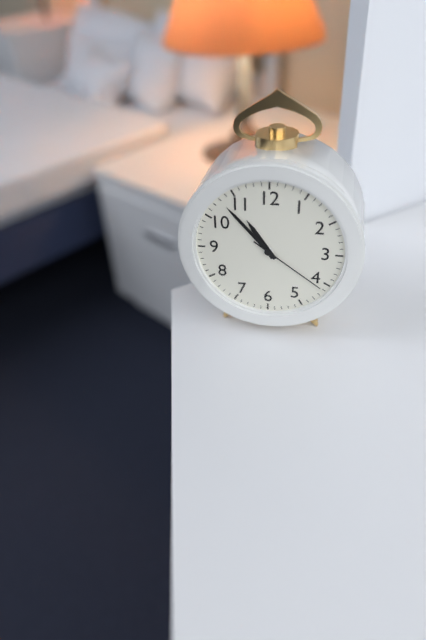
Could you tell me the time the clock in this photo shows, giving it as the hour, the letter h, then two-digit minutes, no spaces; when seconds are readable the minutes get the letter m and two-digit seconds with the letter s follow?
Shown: 10h53m21s
